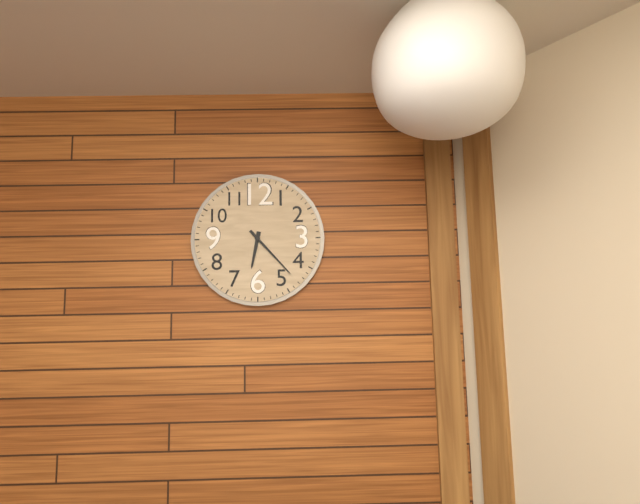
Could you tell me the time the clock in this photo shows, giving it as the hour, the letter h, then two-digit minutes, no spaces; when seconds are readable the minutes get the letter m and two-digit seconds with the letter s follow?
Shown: 6h23
